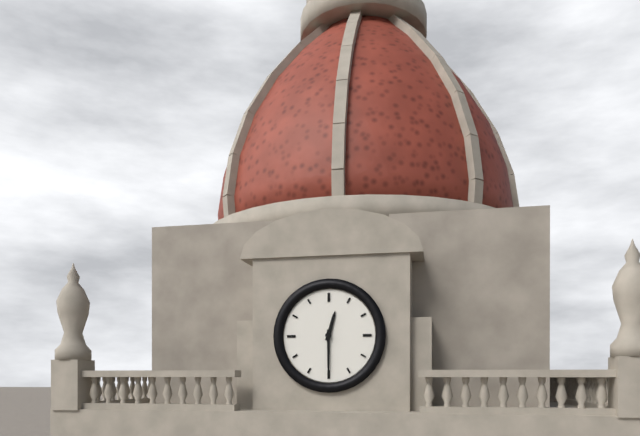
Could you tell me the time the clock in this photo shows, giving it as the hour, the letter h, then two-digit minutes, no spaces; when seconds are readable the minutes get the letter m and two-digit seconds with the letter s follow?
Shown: 12h30
